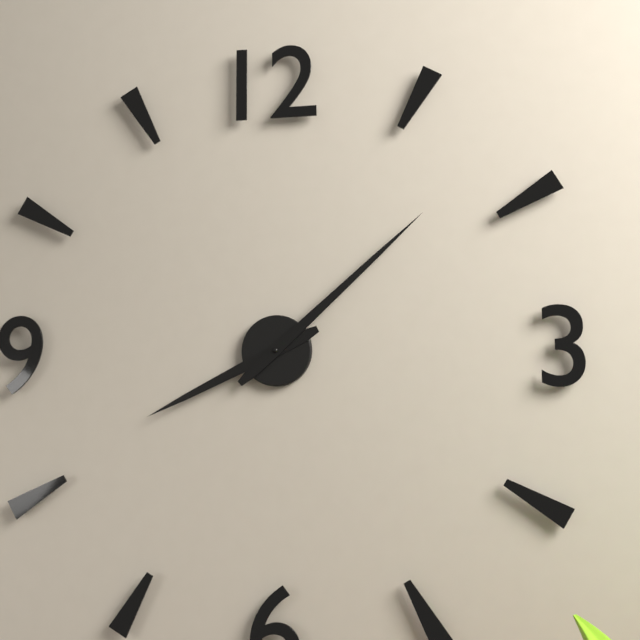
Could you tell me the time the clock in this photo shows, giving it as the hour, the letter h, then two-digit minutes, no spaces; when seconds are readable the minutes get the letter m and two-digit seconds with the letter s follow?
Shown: 8h08
